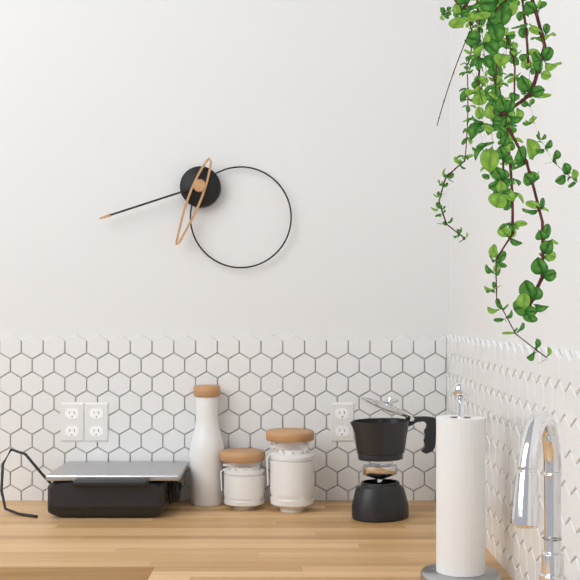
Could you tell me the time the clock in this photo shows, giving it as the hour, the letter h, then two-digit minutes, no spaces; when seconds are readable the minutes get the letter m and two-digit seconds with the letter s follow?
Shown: 6h42
